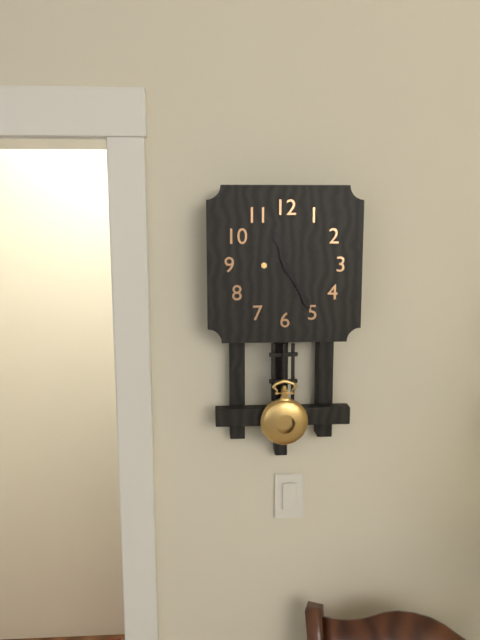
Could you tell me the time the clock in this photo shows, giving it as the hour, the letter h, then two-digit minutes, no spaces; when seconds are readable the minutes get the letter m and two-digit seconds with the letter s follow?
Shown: 11h25
